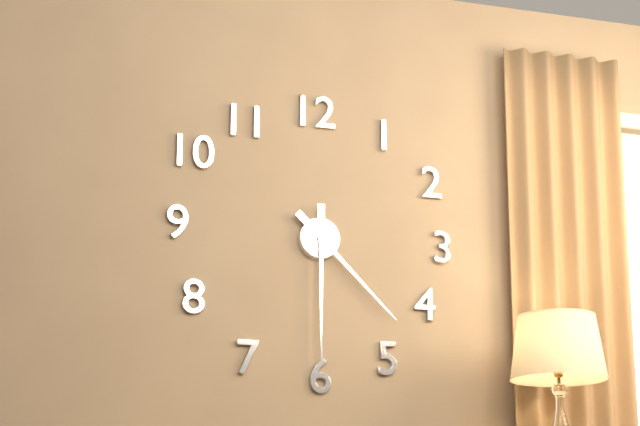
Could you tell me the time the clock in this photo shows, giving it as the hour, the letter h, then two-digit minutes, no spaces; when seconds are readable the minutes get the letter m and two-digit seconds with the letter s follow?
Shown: 4h30
